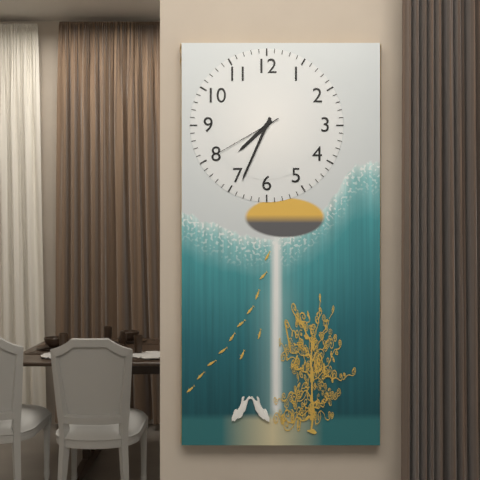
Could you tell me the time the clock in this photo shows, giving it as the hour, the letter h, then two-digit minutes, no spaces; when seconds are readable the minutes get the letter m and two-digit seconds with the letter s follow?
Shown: 7h34m40s
